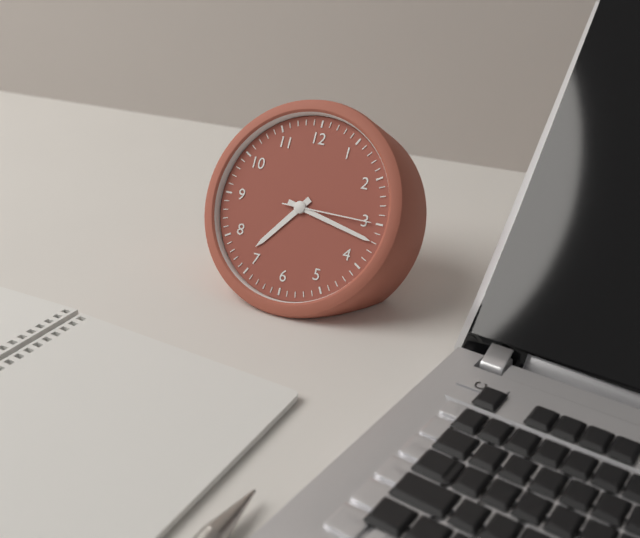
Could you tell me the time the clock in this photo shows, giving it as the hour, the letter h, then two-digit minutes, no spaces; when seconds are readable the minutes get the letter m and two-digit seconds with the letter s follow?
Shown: 7h17m15s
